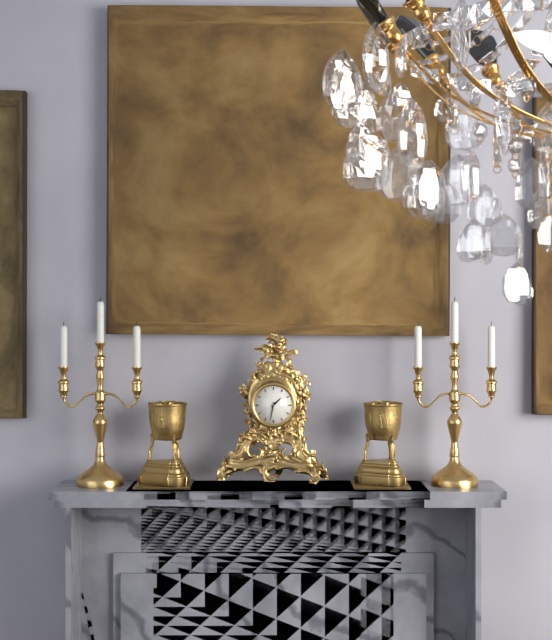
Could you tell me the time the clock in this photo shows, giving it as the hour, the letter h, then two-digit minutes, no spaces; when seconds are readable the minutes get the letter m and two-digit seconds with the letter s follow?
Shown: 1h32
